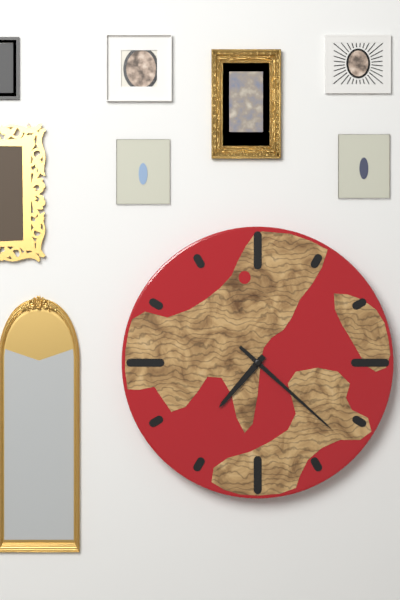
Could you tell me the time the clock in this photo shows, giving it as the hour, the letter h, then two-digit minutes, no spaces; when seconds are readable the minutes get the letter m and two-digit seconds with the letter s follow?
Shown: 7h22
